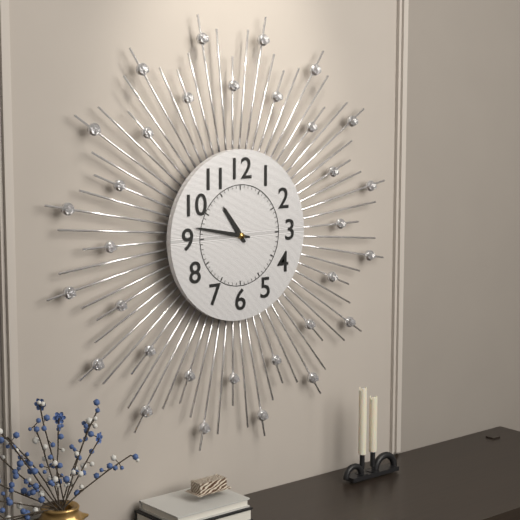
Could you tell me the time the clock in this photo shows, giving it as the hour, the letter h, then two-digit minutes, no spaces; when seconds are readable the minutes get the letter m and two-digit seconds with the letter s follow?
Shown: 10h47
